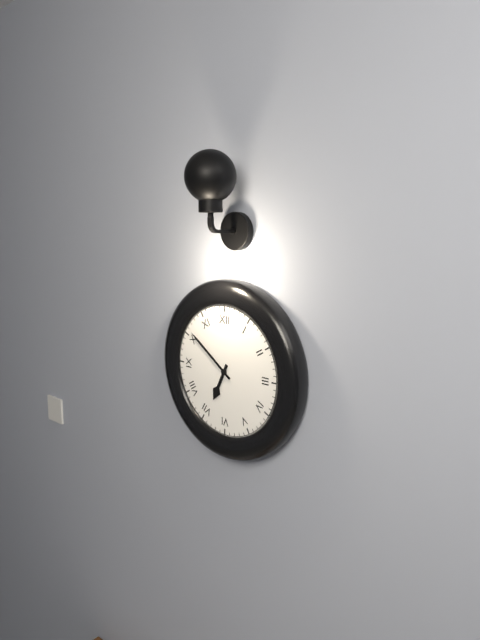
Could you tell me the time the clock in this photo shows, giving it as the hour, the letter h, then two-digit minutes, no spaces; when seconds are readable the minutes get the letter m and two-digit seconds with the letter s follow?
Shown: 6h51
